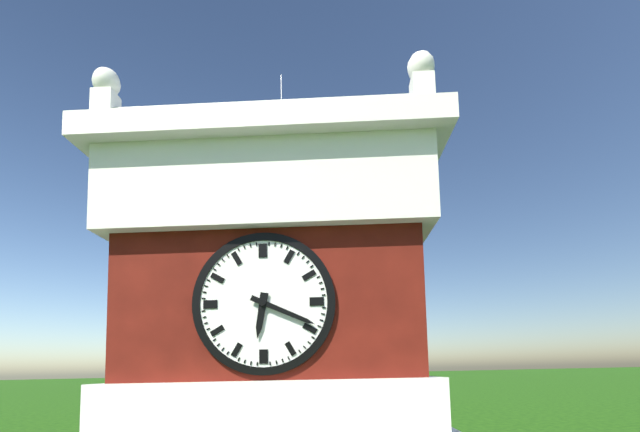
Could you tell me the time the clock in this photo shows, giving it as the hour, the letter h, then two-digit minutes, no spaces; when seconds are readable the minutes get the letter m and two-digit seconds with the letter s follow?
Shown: 6h19
